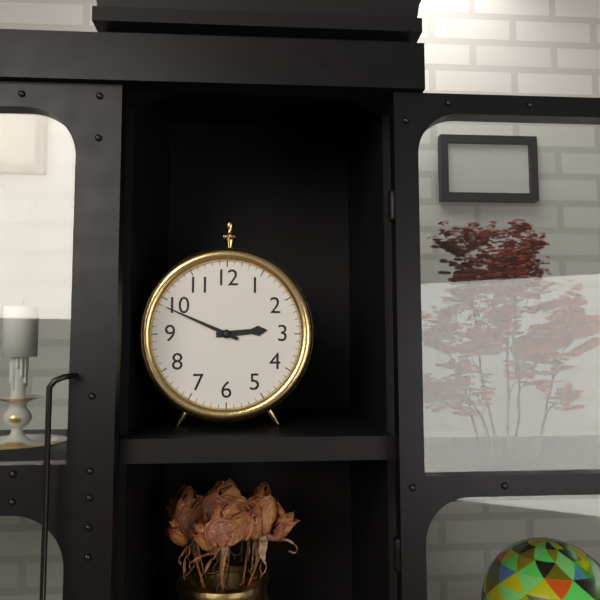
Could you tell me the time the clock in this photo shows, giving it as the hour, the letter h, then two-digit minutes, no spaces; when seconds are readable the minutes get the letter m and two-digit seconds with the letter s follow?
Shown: 2h49
